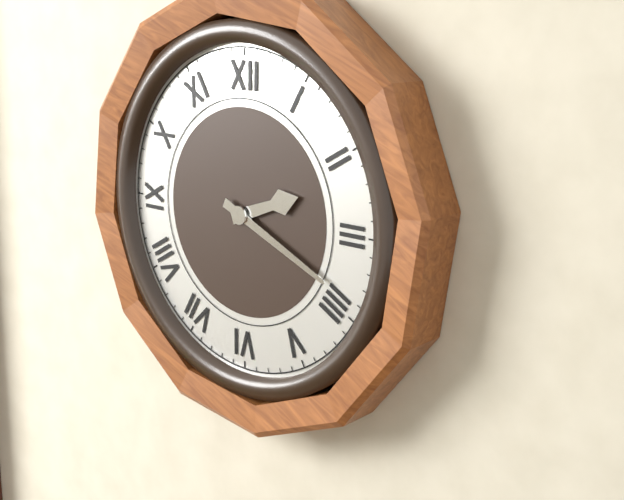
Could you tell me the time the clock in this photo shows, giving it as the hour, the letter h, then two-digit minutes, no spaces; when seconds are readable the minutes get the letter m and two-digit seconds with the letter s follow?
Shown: 2h19
